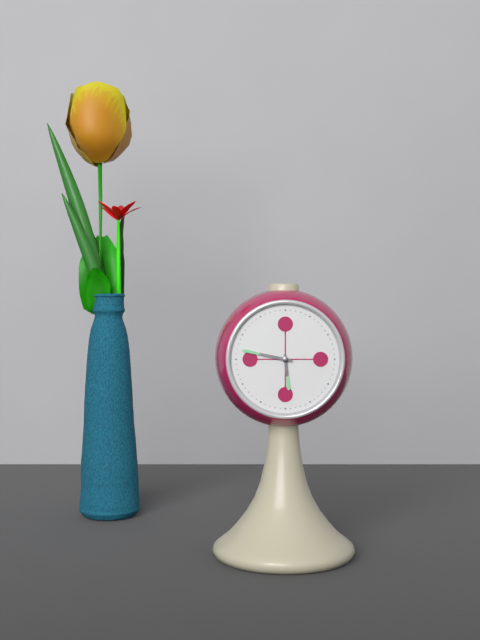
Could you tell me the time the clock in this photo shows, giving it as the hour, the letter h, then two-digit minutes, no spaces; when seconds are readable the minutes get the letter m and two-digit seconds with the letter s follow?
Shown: 5h47
